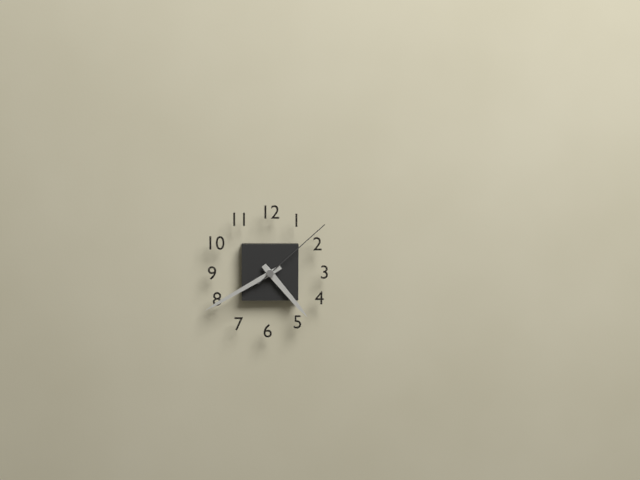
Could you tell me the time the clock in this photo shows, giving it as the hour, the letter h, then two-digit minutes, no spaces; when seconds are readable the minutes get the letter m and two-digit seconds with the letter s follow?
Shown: 4h40m08s
